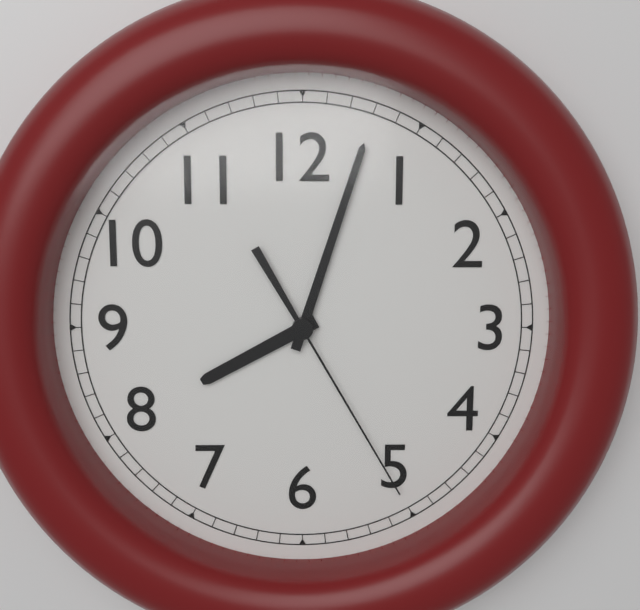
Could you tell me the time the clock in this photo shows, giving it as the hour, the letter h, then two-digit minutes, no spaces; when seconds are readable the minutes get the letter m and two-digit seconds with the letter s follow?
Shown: 8h03m25s
